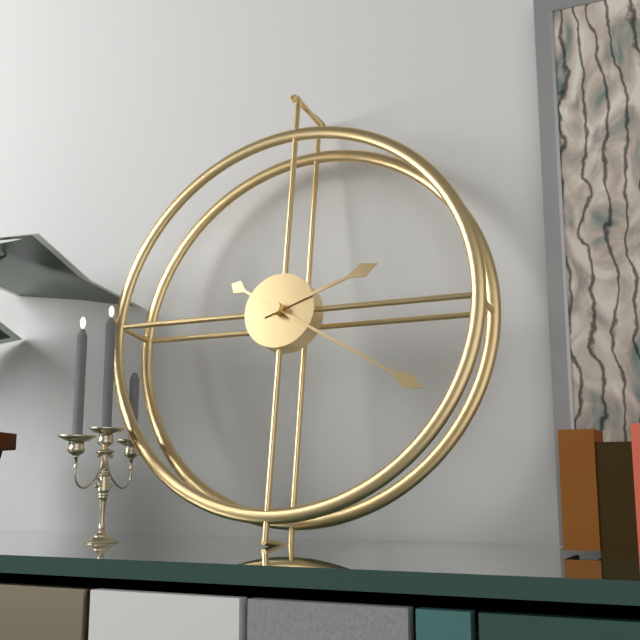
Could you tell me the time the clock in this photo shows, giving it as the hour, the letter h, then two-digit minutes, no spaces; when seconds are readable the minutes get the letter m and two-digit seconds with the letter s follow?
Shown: 2h20
